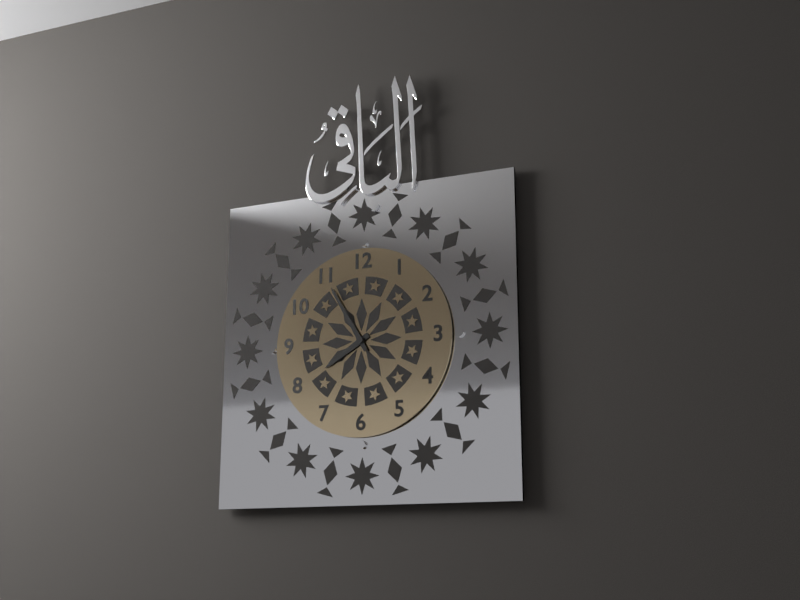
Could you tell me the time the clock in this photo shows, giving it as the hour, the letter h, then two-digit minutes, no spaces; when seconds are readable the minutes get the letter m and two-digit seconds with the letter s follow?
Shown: 7h55
